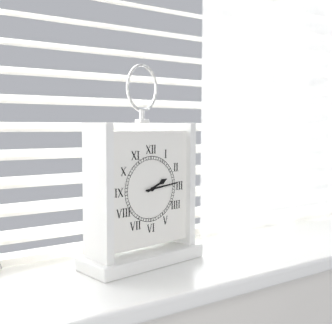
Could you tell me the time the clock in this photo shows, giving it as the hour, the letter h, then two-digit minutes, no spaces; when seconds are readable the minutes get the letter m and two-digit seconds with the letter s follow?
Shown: 2h14
